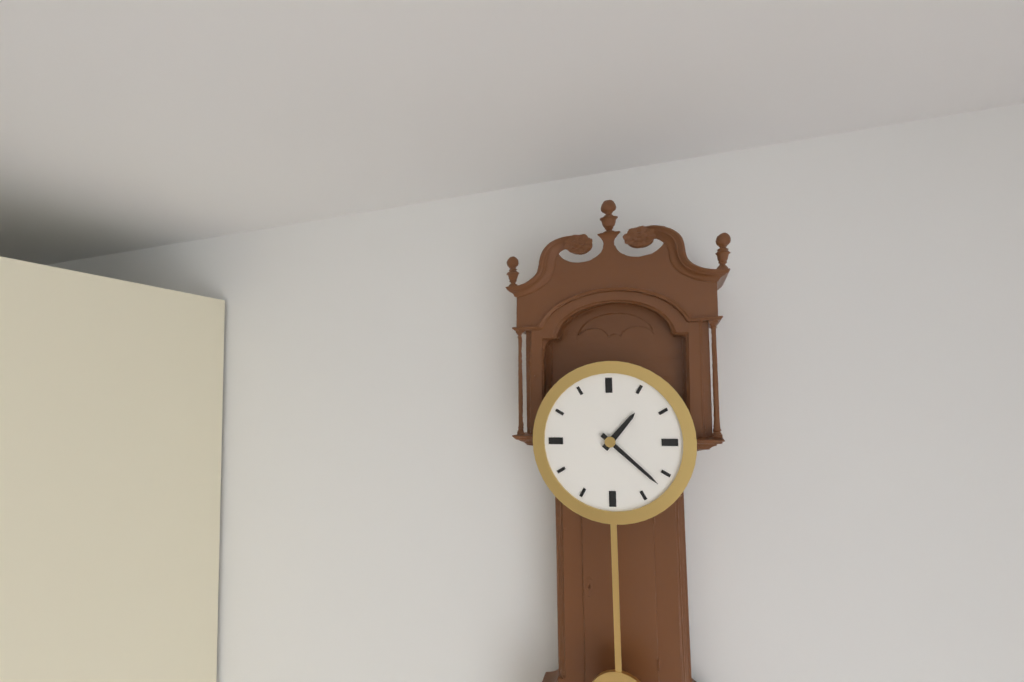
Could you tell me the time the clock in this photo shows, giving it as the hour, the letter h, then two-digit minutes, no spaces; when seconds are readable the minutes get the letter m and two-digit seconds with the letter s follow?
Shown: 1h22
